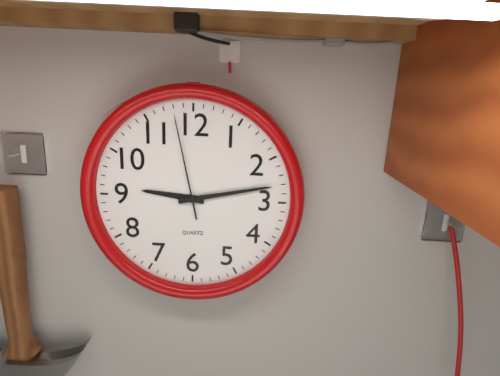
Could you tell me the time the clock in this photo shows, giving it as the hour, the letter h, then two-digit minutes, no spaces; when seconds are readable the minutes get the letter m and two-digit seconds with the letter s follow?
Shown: 9h13m58s
